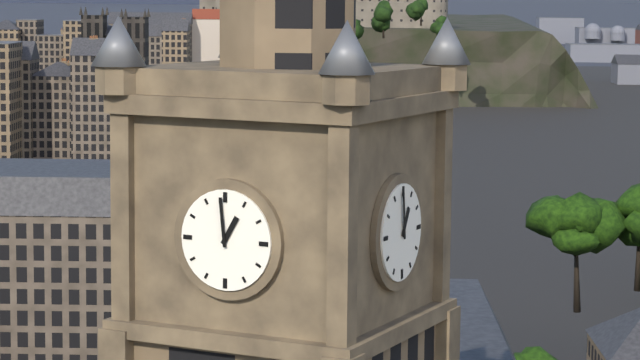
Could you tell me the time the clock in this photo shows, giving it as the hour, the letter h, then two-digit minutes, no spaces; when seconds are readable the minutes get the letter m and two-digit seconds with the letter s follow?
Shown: 12h59
